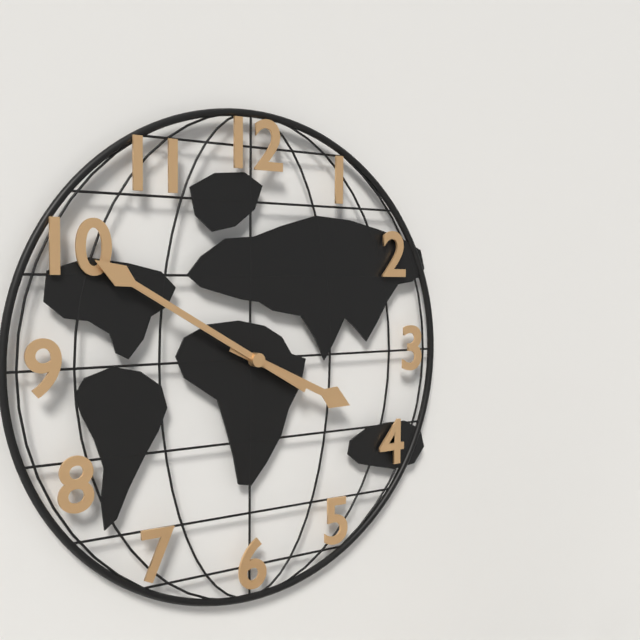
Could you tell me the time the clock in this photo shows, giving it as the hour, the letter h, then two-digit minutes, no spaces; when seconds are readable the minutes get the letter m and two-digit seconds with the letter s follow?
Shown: 3h50
